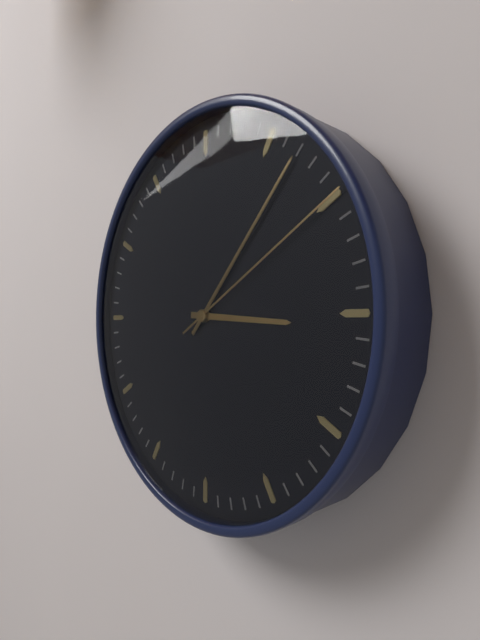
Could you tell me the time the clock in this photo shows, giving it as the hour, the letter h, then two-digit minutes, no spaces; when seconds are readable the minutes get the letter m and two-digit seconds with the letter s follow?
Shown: 3h07m10s
